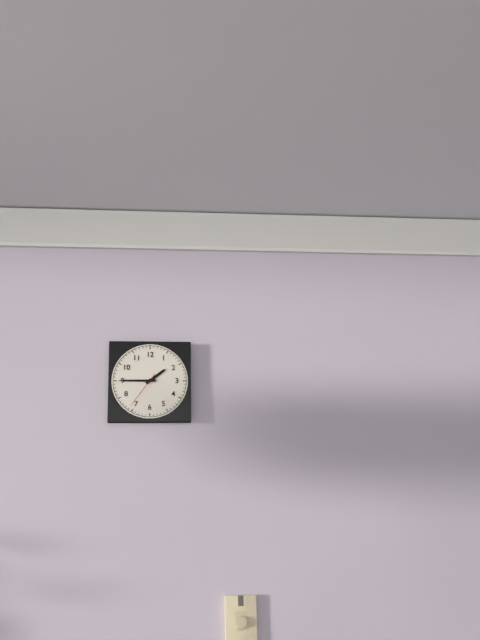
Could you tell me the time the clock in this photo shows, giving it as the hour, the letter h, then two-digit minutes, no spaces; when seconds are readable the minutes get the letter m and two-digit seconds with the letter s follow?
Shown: 1h45
